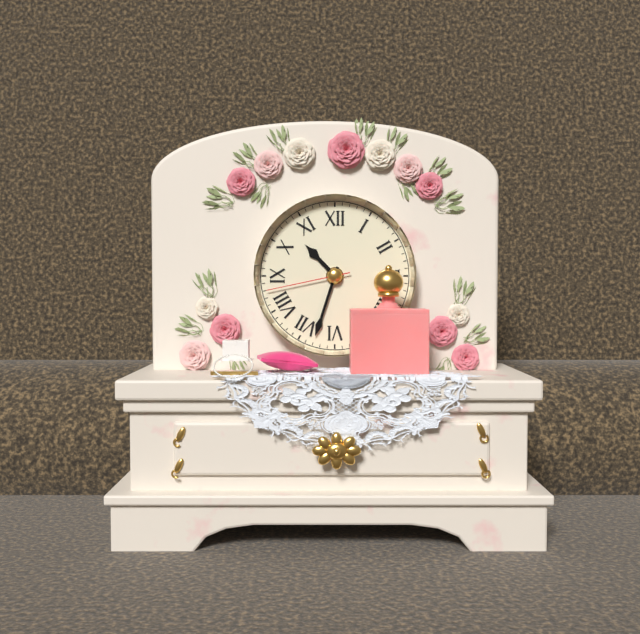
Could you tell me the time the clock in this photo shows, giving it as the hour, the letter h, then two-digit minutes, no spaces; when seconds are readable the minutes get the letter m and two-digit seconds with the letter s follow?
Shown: 10h33m43s
